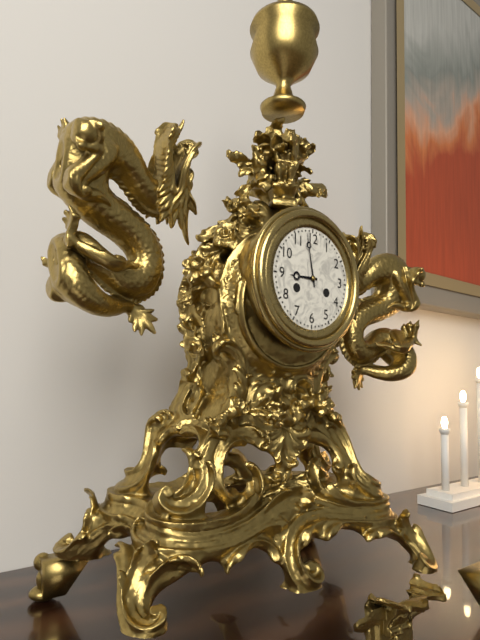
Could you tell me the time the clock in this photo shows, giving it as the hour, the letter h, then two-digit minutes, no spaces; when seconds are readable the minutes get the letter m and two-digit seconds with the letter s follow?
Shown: 8h58
